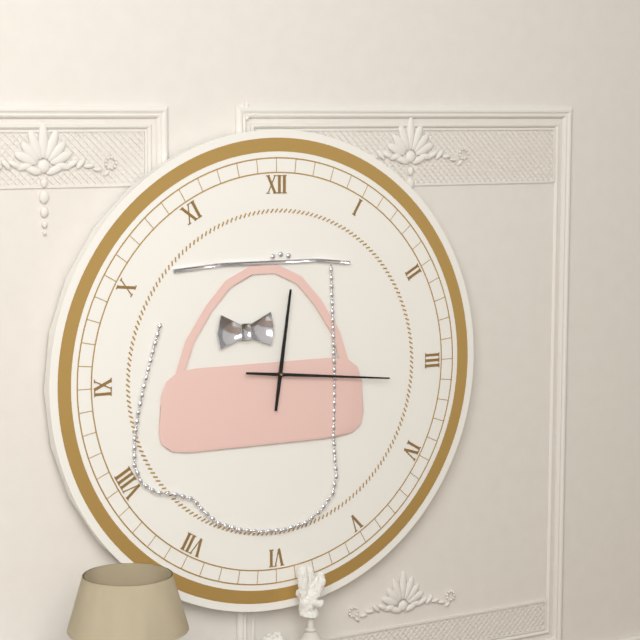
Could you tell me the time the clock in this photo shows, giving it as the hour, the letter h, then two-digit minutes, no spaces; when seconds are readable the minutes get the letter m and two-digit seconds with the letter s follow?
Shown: 12h16
